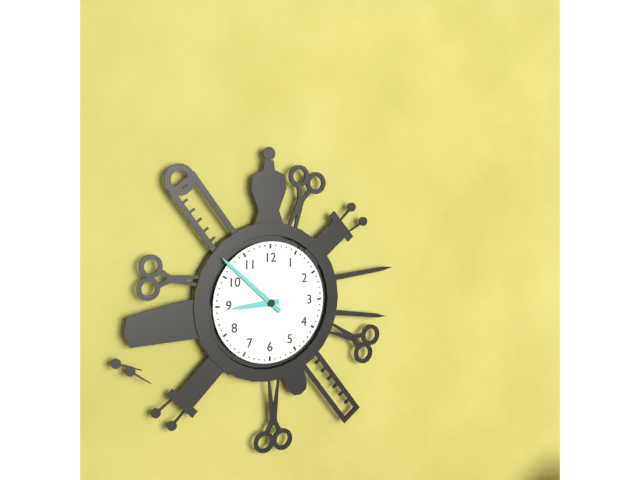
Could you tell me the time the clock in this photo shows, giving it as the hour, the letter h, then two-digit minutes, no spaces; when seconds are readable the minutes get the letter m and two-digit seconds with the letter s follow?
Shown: 8h52
